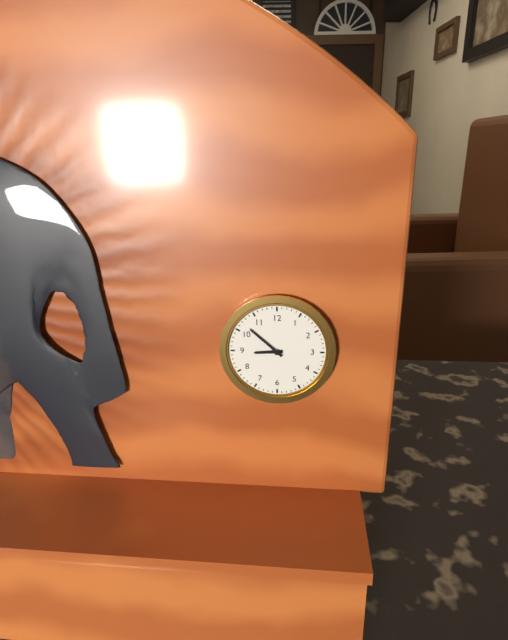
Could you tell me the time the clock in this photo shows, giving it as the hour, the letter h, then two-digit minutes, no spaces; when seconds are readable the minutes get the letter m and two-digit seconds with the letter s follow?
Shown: 8h52
